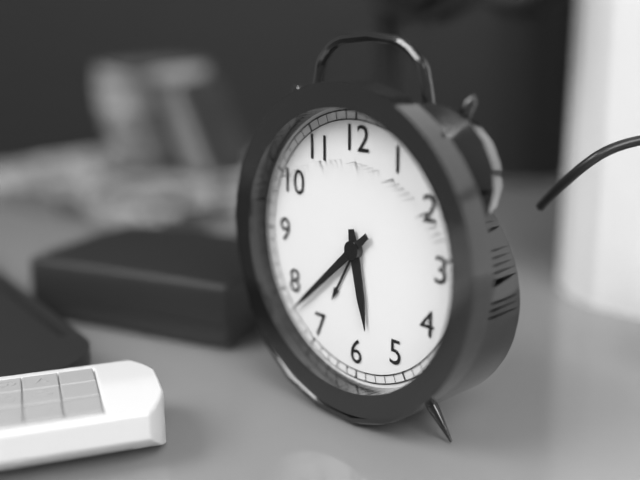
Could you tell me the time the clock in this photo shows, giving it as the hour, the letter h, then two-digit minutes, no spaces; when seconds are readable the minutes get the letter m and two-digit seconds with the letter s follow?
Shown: 5h38
